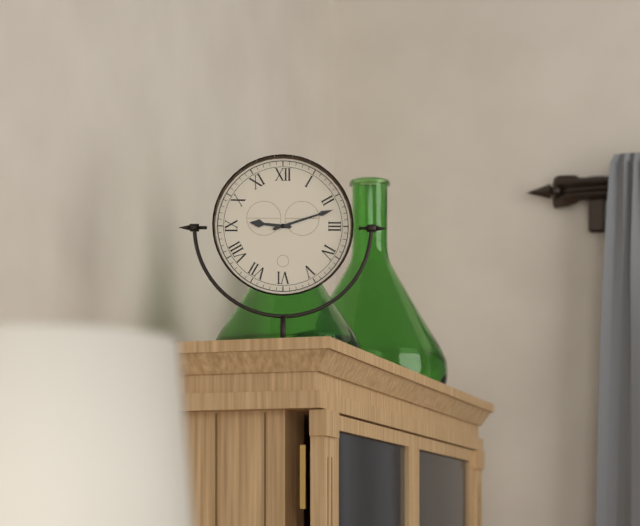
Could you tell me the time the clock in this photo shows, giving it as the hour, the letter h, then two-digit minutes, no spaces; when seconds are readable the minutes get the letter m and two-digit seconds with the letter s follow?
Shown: 9h12
